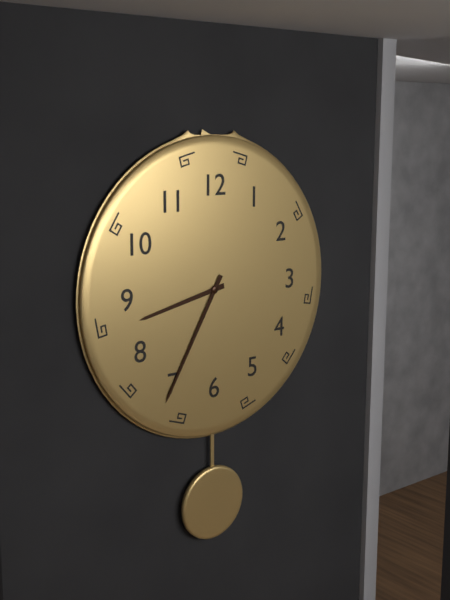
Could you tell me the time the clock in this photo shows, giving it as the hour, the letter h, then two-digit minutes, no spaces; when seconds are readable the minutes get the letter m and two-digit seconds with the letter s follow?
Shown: 8h35
